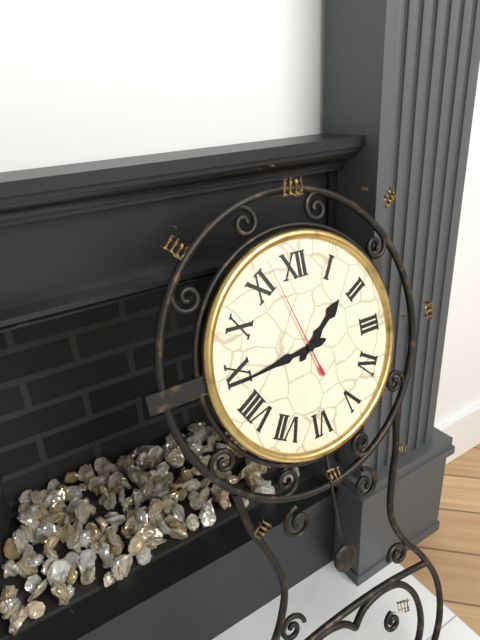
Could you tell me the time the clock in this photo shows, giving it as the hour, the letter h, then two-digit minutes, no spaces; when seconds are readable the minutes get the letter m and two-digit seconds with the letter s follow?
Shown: 1h44m57s
